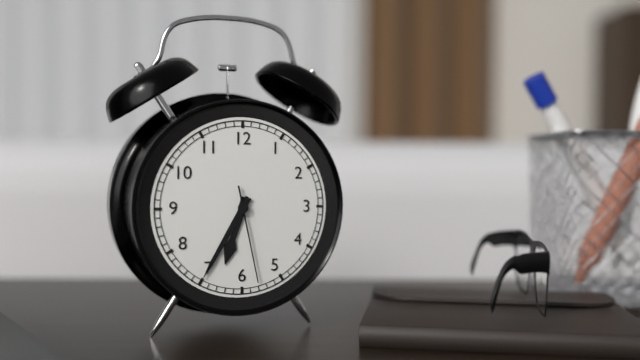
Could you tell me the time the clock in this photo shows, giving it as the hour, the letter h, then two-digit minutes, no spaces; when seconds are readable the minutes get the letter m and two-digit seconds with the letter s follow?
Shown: 6h35m28s
